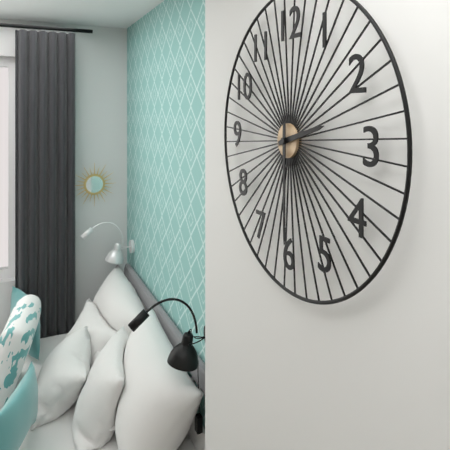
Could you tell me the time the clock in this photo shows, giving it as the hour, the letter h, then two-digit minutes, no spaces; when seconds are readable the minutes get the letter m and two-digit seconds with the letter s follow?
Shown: 2h30
